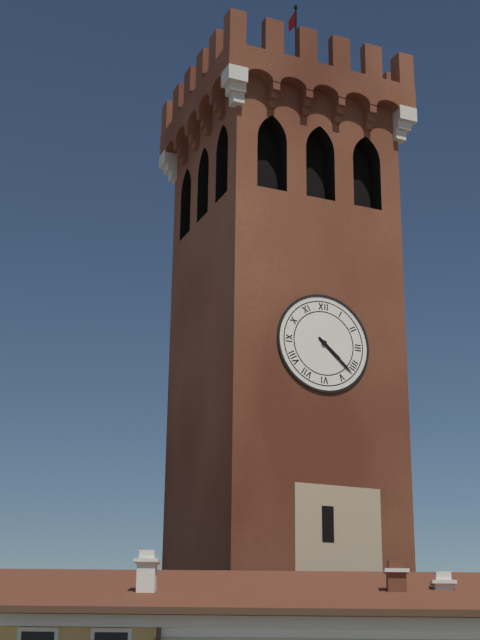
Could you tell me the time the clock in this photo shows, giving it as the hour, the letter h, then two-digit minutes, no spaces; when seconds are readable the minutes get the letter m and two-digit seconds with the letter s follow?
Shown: 4h22
